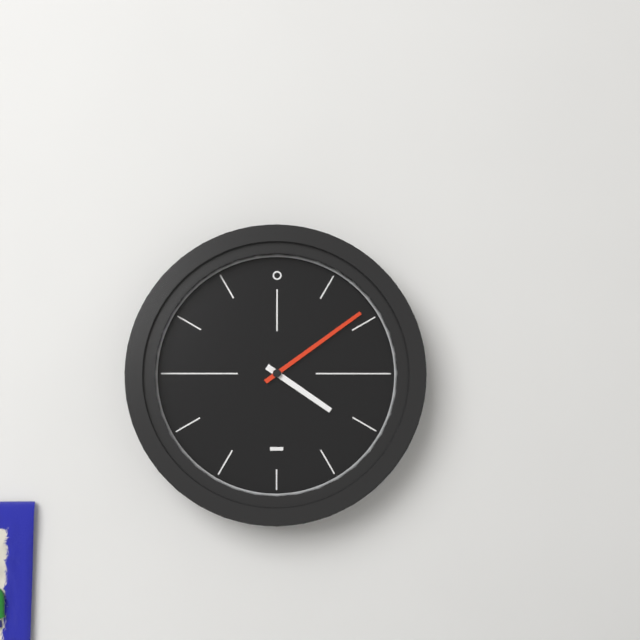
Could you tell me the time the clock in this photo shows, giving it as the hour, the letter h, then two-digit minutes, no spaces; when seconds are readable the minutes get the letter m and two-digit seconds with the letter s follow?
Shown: 4h09
